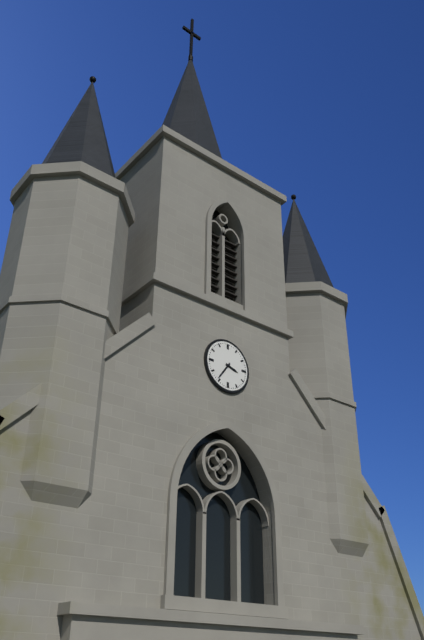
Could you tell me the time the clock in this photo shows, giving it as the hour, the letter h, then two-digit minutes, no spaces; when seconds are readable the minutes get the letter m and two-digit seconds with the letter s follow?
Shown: 3h36
